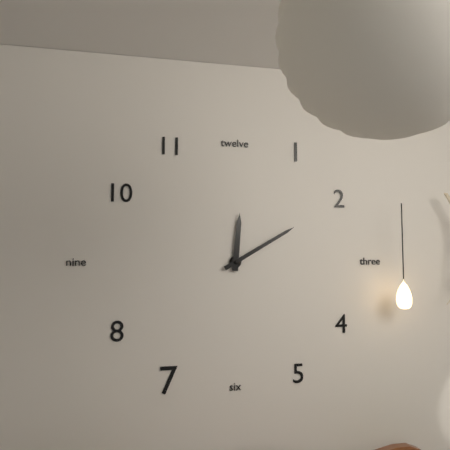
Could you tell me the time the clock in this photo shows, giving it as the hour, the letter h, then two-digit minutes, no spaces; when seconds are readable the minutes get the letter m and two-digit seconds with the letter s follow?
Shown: 12h10
